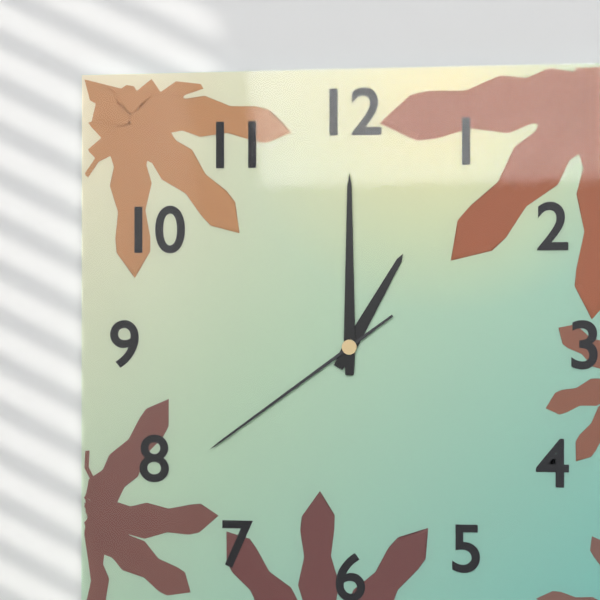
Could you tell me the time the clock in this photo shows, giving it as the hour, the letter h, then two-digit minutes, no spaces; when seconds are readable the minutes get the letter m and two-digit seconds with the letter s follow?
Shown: 1h00m39s
